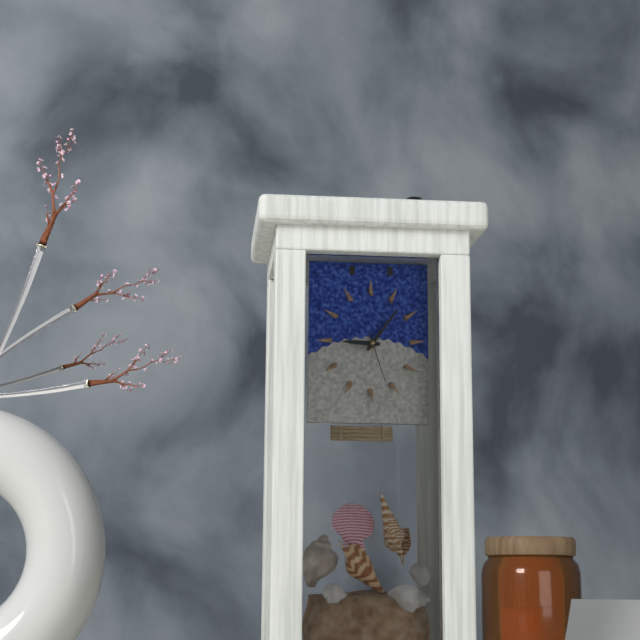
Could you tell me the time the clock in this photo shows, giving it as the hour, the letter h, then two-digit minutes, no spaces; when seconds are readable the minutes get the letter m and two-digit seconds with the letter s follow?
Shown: 9h06m27s
